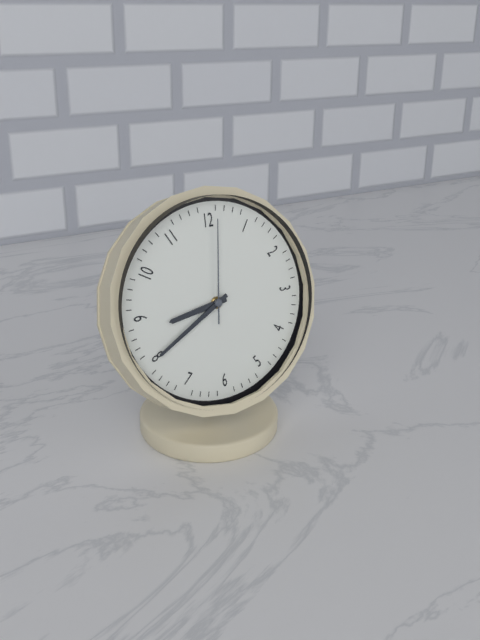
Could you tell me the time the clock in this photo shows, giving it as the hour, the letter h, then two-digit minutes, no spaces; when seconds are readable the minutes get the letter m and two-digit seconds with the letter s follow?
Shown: 8h40m01s
